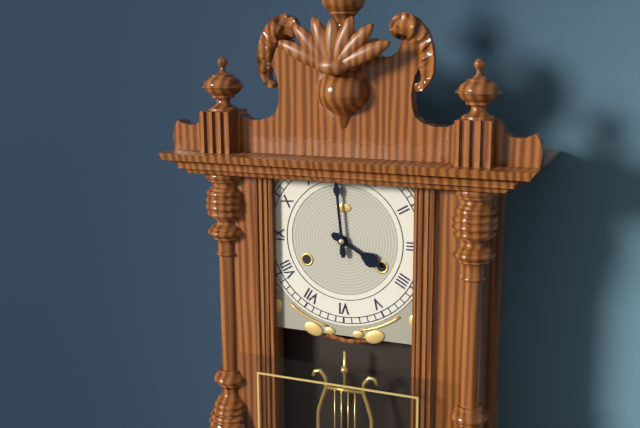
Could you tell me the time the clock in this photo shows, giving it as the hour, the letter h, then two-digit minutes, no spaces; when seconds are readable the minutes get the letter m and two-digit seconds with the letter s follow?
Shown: 3h59
